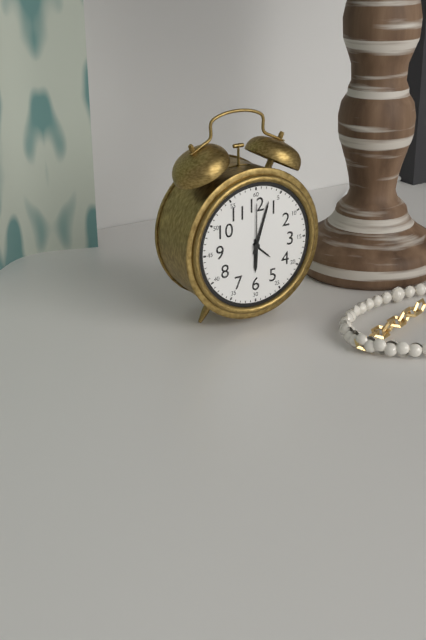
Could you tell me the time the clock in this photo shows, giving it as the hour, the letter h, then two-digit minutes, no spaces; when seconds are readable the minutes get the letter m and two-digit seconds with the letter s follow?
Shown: 6h03m00s
